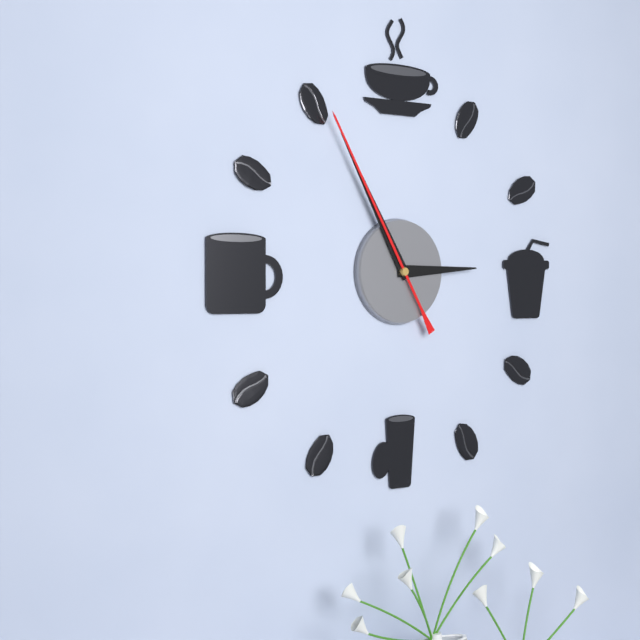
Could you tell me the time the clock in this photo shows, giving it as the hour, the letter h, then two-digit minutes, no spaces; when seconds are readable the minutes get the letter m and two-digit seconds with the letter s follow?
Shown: 2h55m55s
